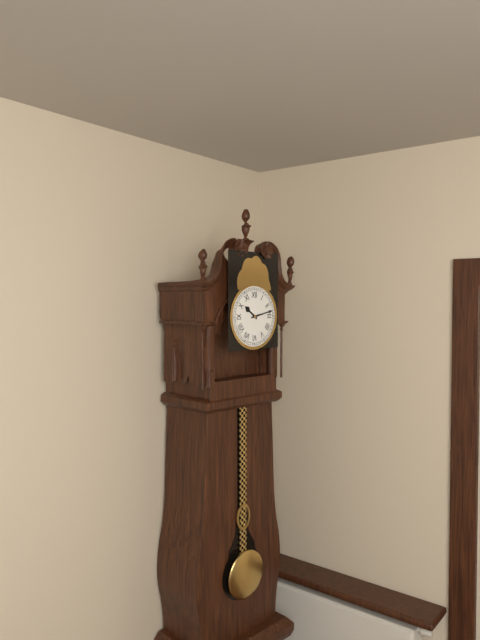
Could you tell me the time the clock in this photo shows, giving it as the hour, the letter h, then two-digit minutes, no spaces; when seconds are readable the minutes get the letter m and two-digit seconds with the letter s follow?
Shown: 10h13
